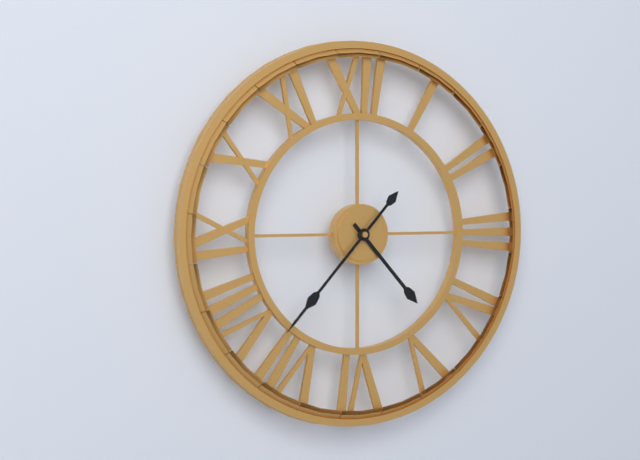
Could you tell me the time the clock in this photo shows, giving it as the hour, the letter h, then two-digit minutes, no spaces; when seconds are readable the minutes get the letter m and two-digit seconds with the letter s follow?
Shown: 4h37
